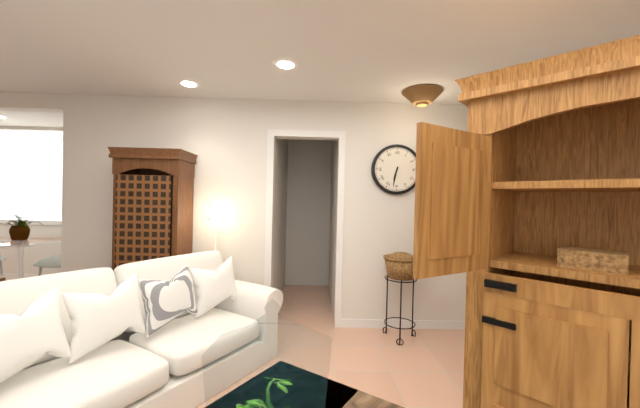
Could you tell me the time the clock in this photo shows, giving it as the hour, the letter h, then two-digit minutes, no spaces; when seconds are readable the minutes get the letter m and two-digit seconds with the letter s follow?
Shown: 6h32
